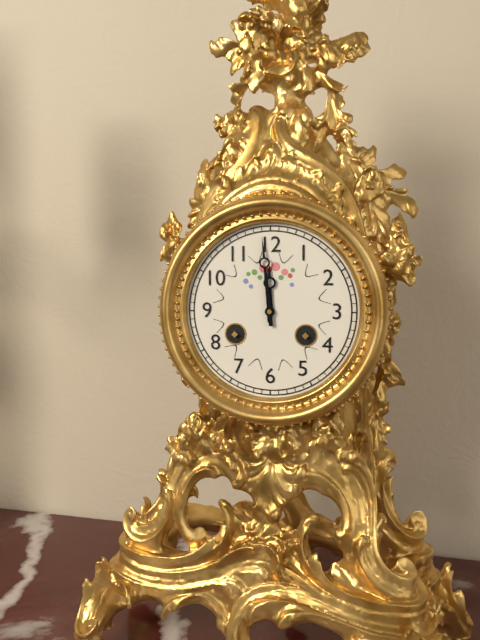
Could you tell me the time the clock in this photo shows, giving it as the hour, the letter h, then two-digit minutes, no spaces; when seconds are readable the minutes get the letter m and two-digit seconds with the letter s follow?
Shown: 11h59
